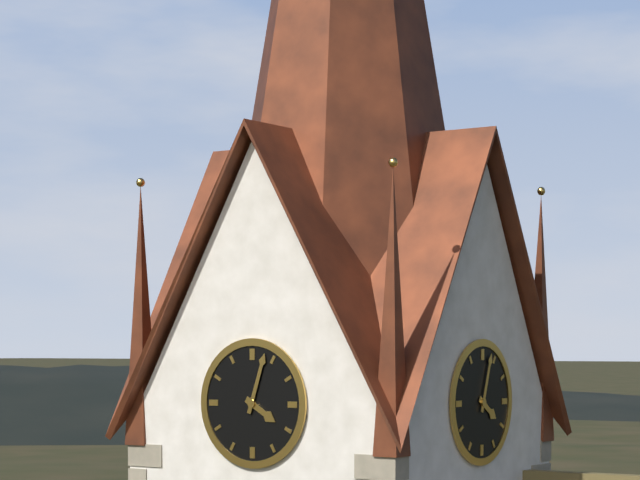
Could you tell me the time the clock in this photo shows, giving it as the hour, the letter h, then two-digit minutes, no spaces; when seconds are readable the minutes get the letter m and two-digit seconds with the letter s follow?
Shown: 4h03
